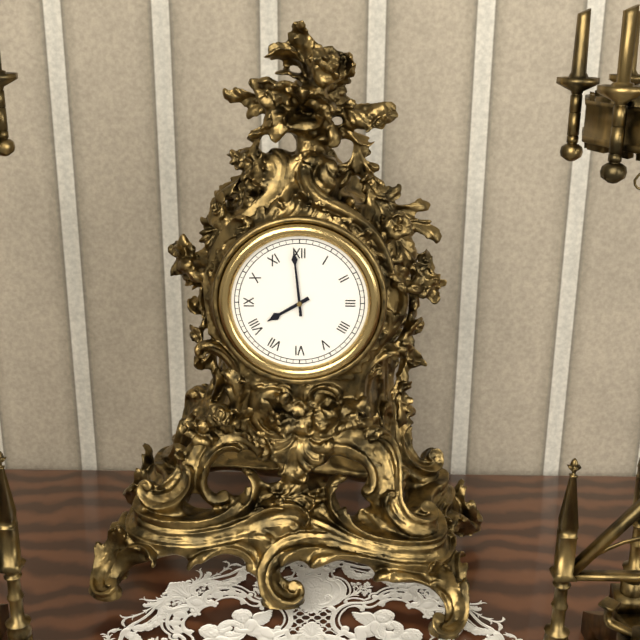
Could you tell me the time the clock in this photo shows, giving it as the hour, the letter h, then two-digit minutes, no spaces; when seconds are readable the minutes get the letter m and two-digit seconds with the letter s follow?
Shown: 7h59
